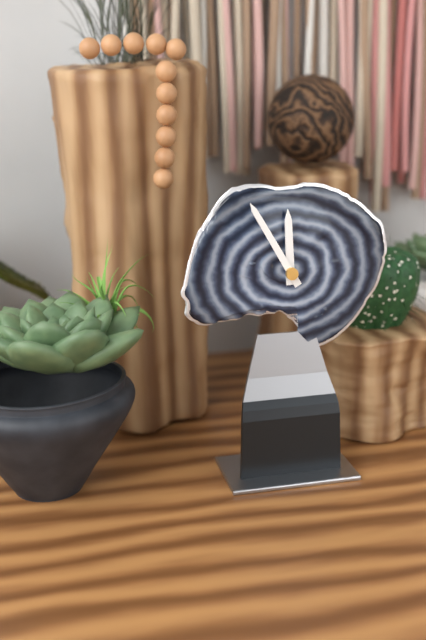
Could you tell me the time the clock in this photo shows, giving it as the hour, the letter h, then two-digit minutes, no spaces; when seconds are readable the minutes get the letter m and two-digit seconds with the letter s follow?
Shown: 11h55
